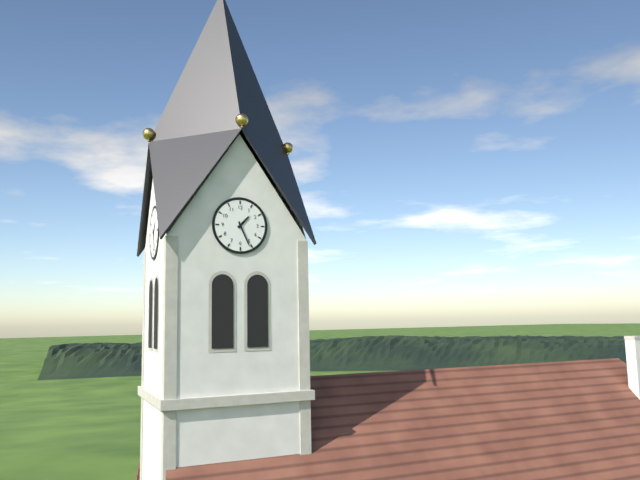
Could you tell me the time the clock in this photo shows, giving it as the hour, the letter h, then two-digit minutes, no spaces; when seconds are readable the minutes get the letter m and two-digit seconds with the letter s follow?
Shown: 1h26
